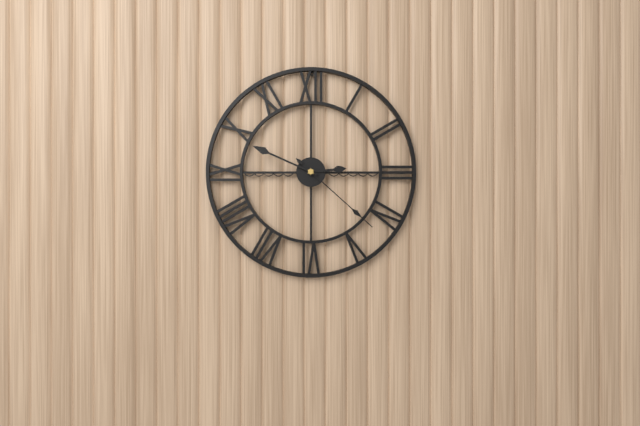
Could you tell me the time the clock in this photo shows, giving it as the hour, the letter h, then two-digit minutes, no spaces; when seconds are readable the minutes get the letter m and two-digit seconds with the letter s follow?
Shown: 2h49m22s
